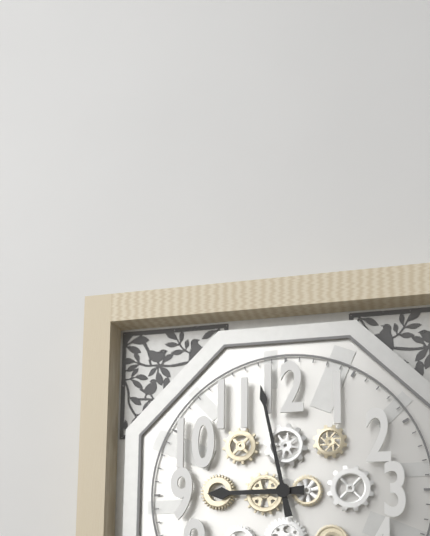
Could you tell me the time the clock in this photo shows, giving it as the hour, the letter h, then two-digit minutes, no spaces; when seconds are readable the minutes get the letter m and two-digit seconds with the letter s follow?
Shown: 8h58
